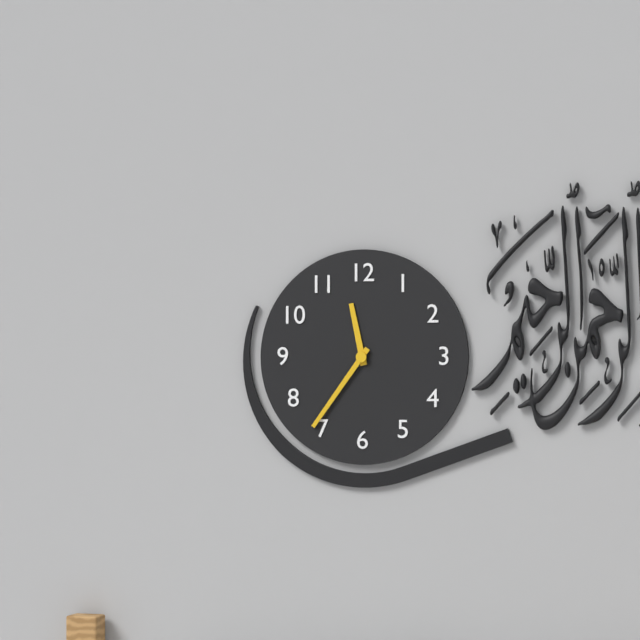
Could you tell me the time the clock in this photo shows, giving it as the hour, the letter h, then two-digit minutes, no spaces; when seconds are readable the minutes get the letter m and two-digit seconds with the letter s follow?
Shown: 11h36
